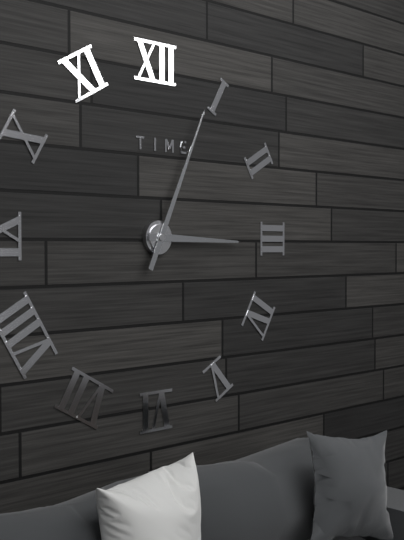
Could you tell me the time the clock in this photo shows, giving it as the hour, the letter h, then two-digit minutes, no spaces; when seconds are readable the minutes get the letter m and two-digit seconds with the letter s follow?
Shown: 3h04
